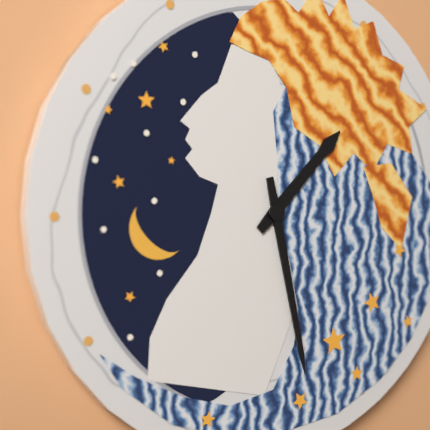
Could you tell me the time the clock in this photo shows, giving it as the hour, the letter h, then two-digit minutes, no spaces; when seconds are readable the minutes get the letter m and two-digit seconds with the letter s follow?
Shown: 1h28
